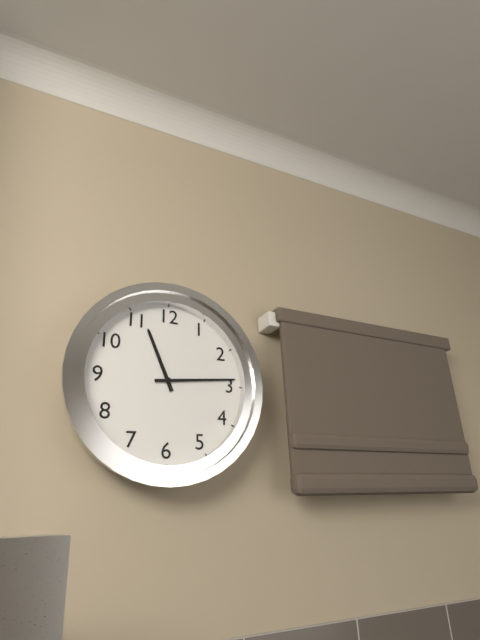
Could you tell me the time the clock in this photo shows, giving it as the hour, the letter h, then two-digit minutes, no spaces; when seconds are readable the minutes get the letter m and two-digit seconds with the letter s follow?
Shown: 11h14
